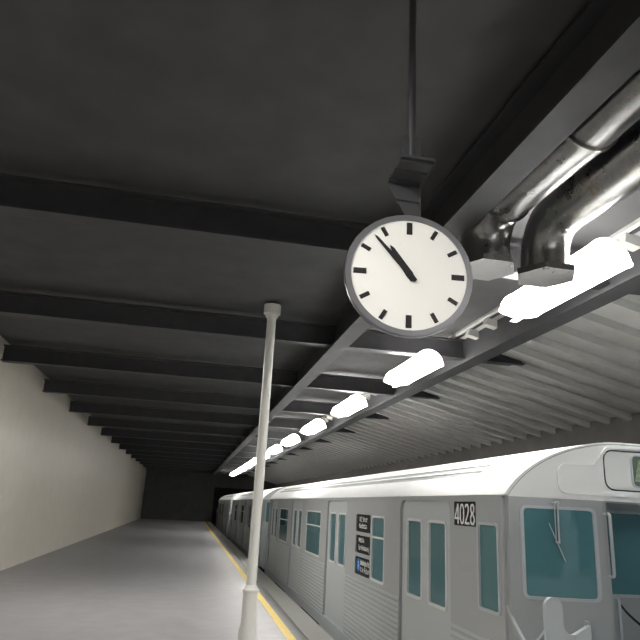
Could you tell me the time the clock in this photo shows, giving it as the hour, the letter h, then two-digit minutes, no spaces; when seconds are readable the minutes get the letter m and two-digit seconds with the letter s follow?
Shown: 10h53
